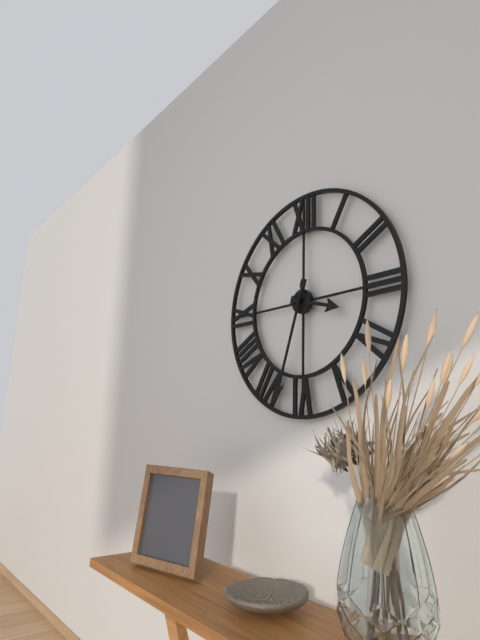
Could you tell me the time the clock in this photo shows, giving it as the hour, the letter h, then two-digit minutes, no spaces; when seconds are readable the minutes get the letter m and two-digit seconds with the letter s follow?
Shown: 3h33
